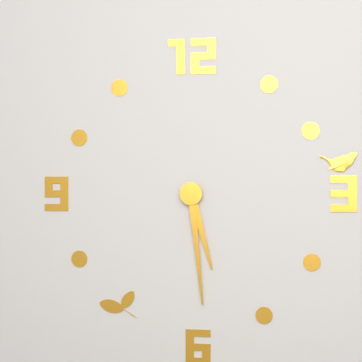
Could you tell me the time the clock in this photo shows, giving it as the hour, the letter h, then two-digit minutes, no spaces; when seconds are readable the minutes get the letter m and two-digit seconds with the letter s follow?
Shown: 5h29
